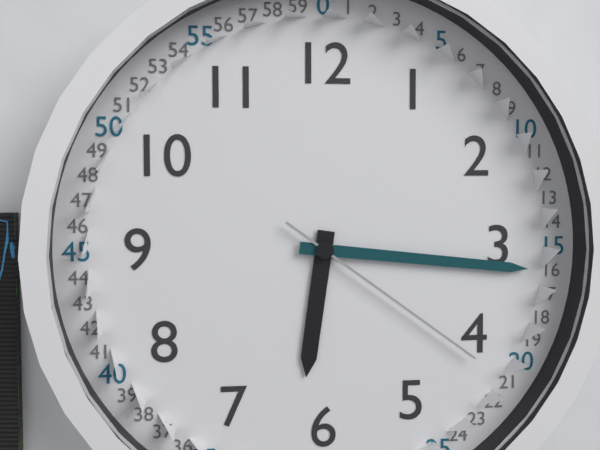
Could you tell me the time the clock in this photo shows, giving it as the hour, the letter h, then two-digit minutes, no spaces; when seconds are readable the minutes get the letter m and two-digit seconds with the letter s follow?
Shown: 6h16m21s
